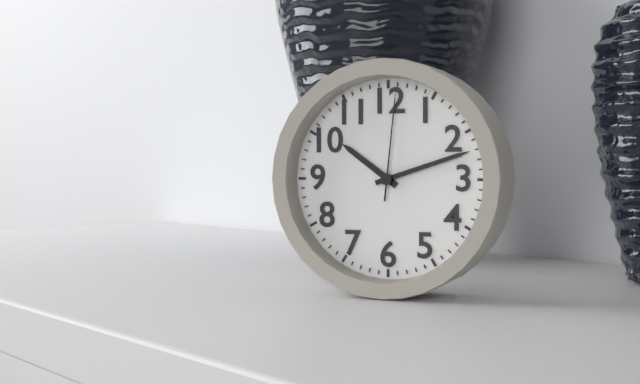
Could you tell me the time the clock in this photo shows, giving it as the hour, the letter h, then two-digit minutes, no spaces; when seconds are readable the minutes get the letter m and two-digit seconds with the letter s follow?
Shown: 10h12m01s
